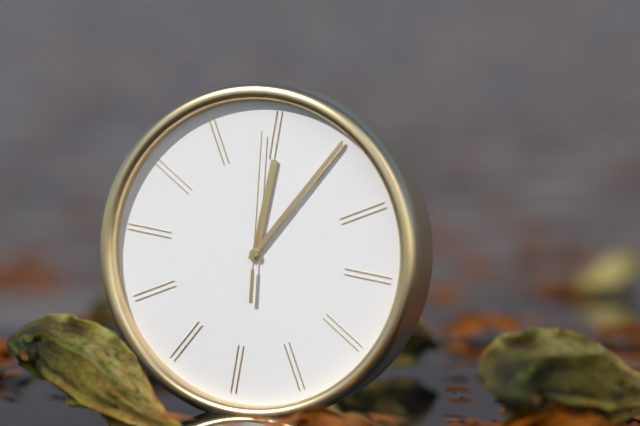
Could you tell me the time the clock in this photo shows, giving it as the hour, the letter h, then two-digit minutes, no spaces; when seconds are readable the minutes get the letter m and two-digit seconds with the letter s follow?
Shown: 12h05m59s
